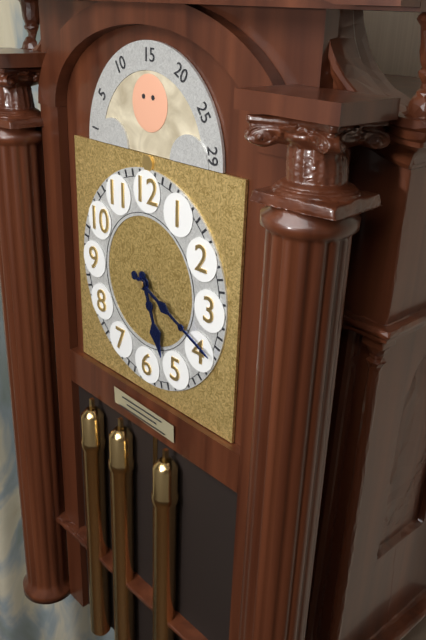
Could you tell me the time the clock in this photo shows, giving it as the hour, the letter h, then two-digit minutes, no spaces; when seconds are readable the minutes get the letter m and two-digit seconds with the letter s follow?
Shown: 5h19
